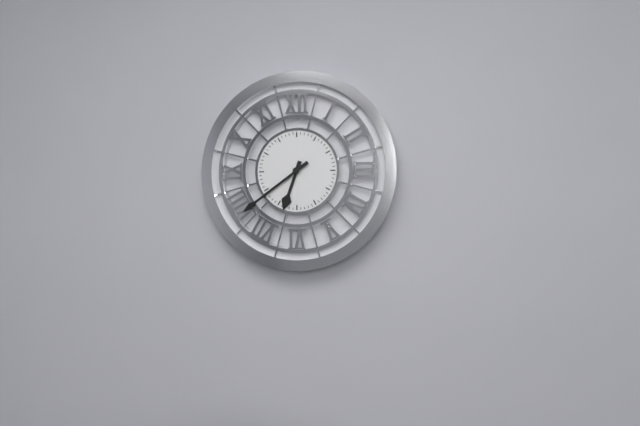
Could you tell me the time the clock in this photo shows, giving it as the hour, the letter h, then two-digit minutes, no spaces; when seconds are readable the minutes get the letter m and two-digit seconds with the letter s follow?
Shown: 6h39
